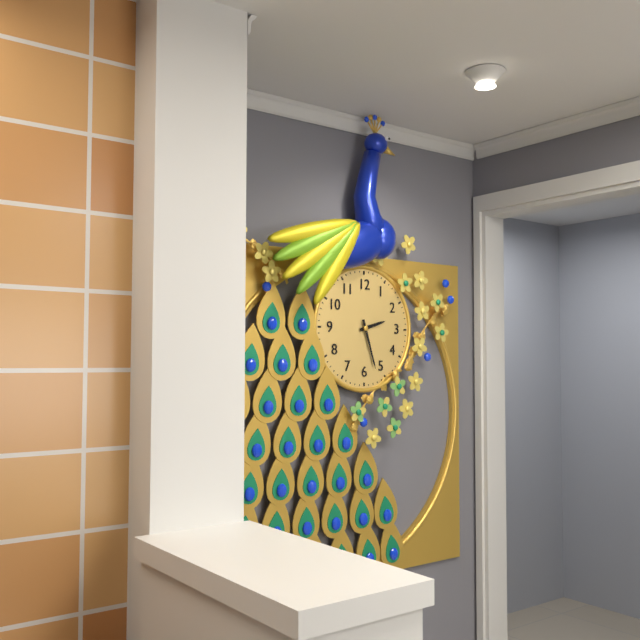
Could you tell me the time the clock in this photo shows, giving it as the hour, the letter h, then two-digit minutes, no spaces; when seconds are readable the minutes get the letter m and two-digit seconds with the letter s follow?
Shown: 2h27
